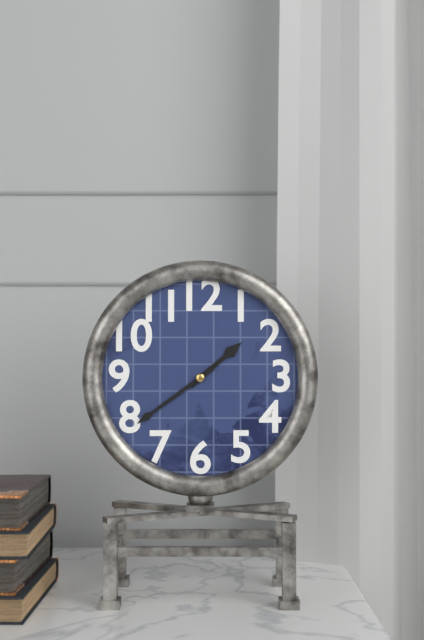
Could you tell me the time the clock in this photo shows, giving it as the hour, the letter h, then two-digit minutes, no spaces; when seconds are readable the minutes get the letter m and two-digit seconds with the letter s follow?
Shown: 1h39
